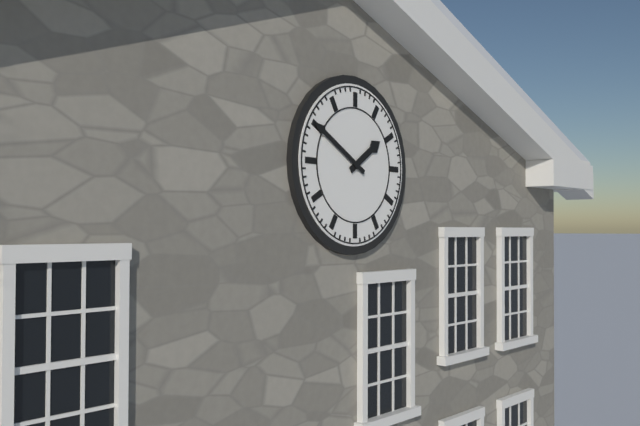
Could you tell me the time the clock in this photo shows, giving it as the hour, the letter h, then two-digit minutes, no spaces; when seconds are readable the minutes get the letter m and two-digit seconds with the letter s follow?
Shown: 1h50
